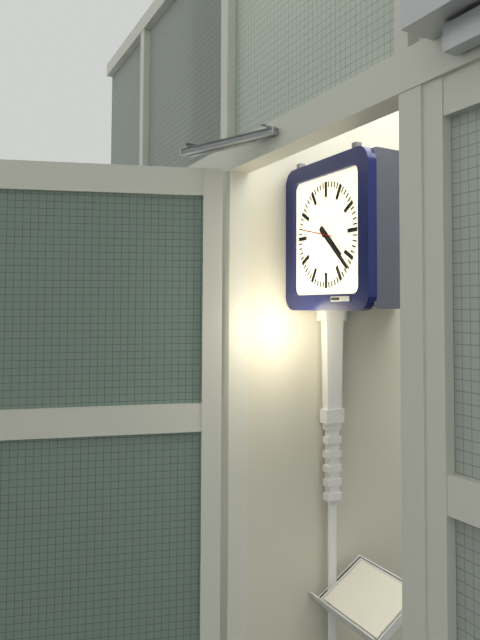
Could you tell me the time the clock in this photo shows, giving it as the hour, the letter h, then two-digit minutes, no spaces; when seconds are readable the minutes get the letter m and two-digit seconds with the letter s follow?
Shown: 4h22
